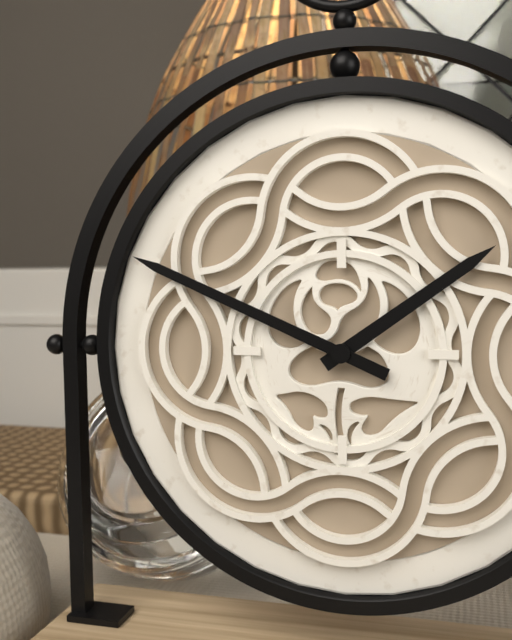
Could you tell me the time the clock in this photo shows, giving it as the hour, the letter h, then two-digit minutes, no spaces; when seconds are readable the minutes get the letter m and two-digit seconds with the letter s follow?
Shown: 1h49
